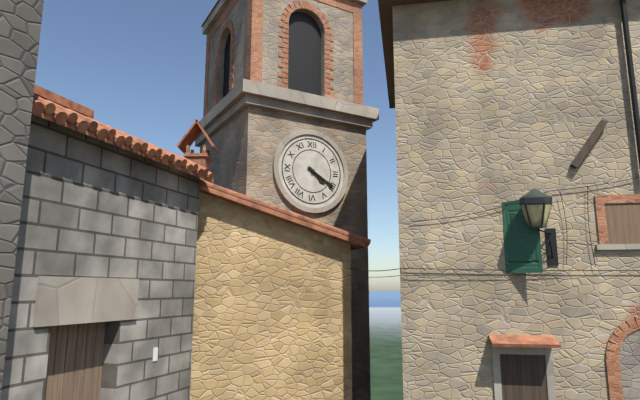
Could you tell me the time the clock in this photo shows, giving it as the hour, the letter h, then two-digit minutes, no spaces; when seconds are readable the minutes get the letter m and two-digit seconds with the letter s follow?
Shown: 4h20
